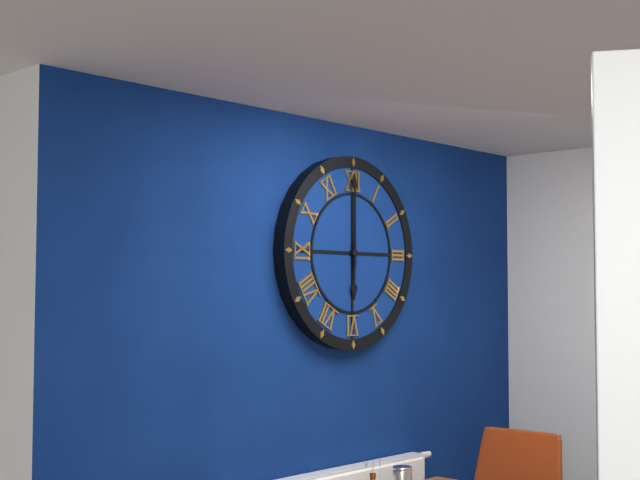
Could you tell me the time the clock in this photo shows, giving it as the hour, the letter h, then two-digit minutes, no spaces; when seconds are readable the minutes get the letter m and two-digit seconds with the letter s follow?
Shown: 6h00
